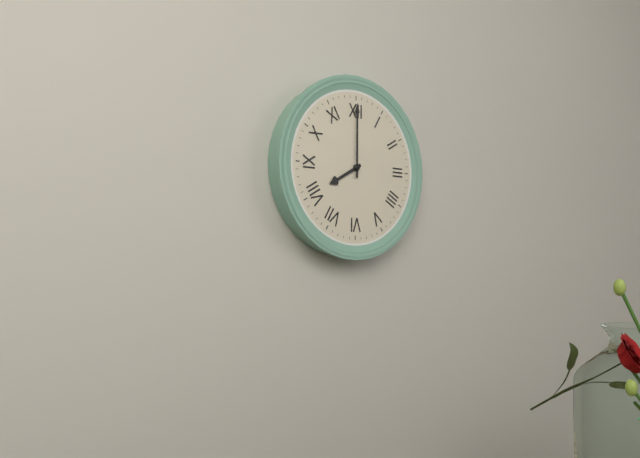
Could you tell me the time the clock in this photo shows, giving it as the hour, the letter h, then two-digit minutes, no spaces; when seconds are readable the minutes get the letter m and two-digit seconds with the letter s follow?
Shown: 8h00
